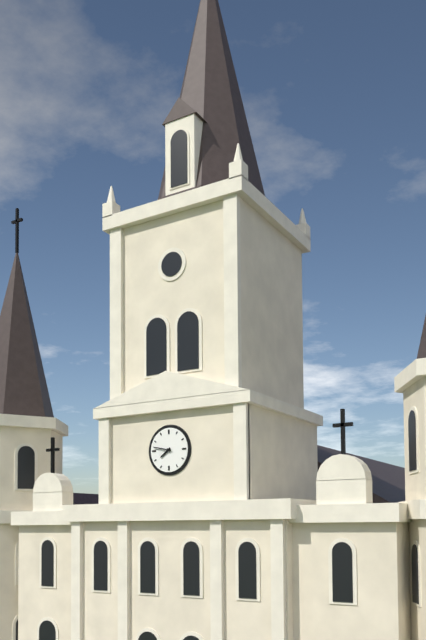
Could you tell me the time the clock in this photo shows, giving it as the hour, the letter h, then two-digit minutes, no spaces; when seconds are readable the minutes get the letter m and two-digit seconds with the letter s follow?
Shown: 7h47
